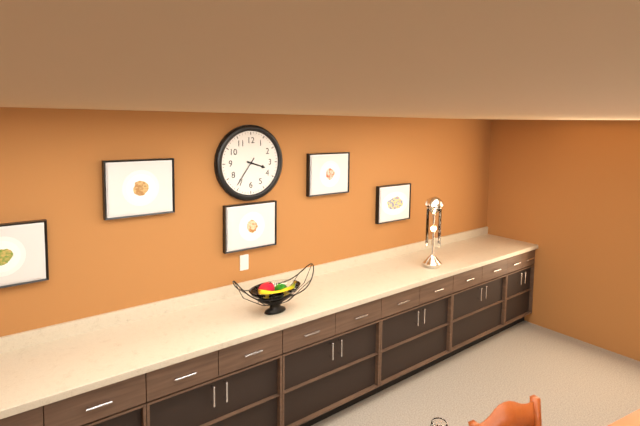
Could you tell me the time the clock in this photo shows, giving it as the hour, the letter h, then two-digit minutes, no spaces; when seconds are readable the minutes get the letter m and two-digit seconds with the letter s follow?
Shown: 3h36
